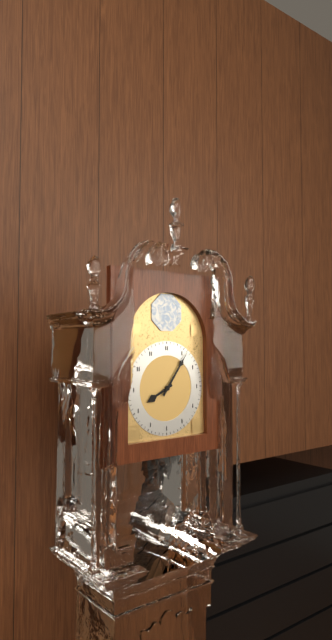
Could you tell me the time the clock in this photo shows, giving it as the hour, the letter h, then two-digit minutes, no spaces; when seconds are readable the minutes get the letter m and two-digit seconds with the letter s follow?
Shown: 8h06
